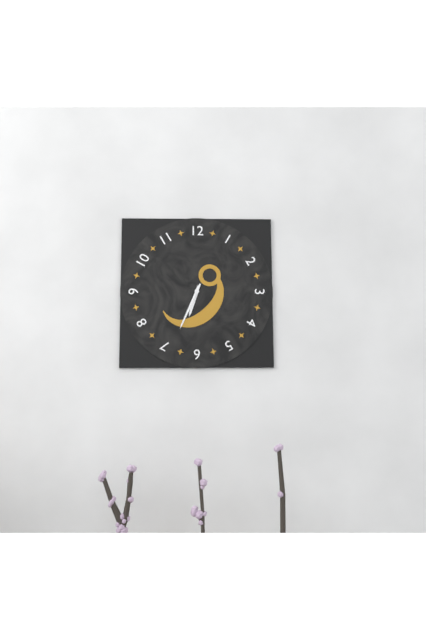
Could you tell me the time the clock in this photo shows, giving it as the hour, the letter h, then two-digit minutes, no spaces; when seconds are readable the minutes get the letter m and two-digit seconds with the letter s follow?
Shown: 6h34
